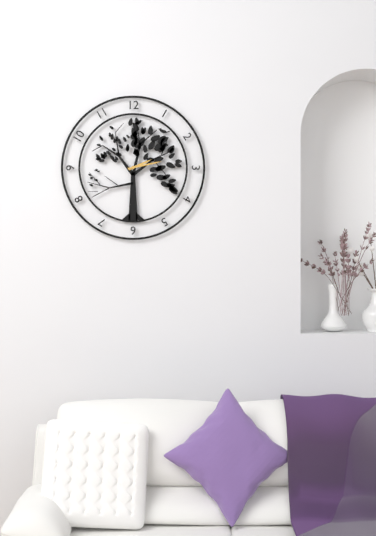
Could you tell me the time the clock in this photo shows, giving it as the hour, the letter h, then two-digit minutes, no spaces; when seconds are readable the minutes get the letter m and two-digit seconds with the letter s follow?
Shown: 2h13
